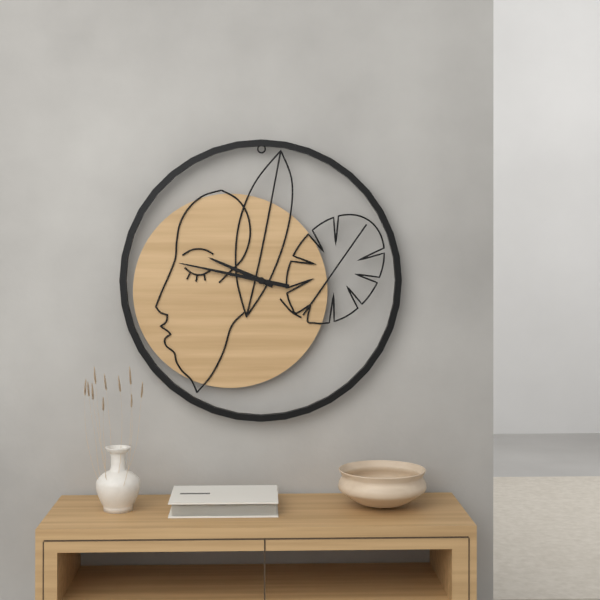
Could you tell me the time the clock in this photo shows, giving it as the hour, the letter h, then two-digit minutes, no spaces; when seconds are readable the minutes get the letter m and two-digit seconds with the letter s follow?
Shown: 9h47
